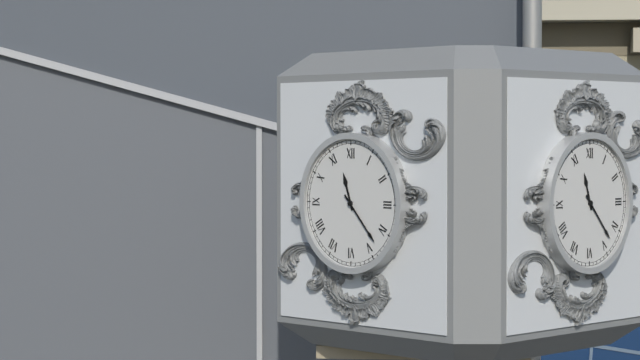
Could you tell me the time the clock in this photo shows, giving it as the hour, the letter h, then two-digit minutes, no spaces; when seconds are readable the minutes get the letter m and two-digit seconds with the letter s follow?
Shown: 11h23
